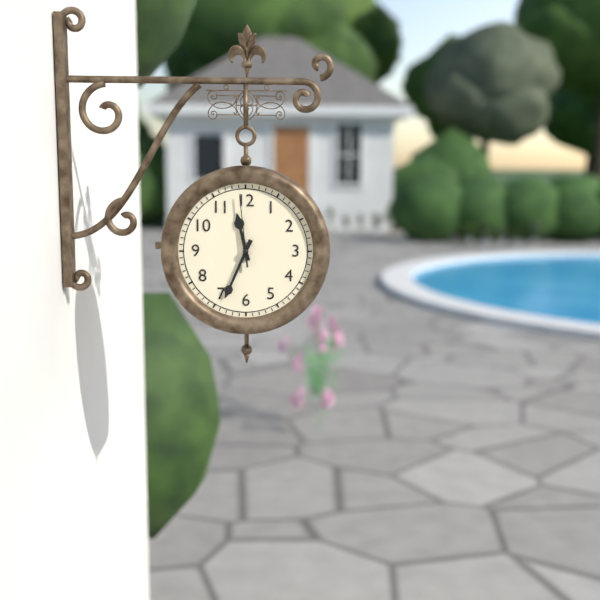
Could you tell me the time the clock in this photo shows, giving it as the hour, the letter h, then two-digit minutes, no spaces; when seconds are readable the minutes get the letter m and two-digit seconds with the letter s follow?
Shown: 11h34m59s
